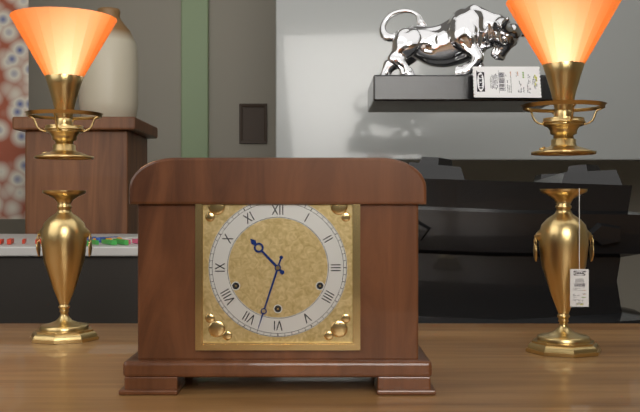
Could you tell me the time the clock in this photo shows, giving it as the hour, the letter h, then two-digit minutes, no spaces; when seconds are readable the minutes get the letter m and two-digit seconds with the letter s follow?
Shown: 10h33
